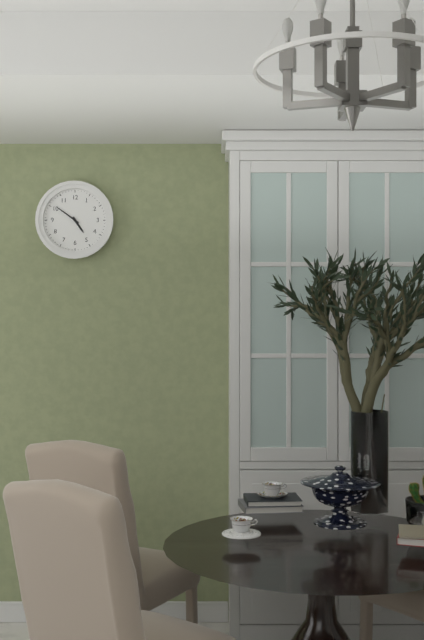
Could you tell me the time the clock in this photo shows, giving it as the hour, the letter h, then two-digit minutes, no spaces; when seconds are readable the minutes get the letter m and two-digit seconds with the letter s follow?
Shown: 4h51
